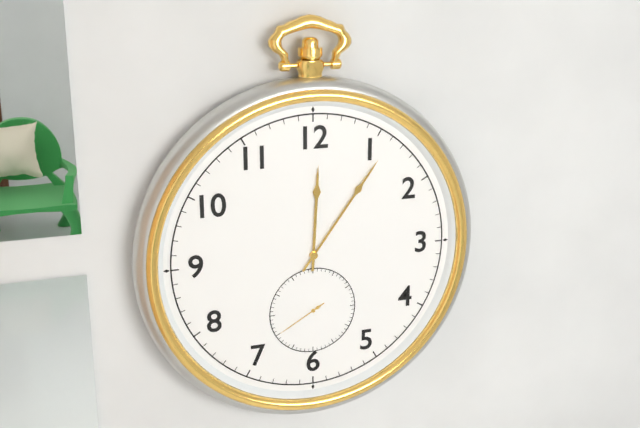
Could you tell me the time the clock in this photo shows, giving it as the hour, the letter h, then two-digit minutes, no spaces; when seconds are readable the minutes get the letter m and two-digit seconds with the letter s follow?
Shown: 12h06m40s
